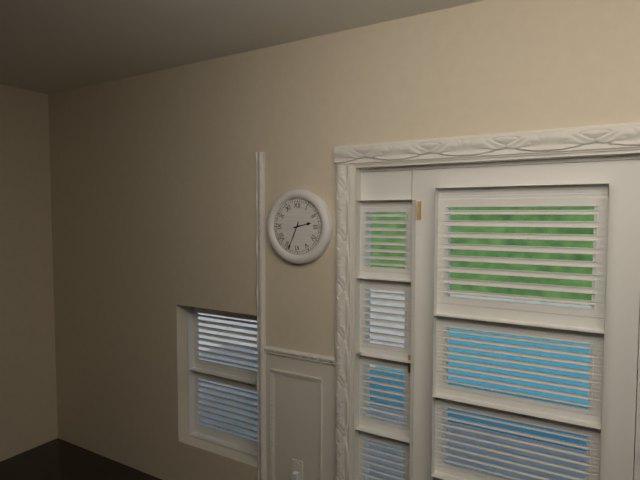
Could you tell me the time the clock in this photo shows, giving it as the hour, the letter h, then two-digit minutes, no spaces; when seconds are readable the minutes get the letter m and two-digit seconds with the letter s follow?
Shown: 2h34
